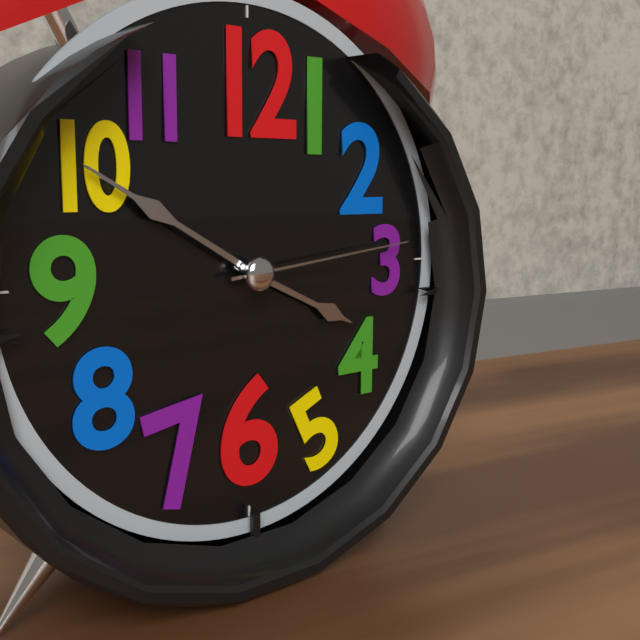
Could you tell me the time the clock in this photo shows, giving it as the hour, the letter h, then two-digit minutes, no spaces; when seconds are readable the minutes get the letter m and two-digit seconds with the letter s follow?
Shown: 3h50m14s
